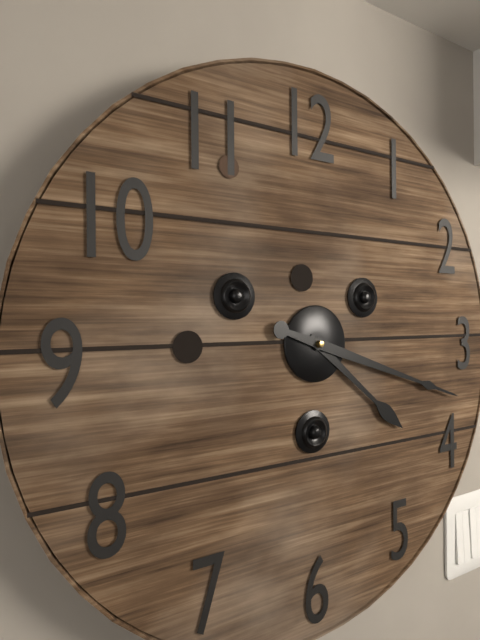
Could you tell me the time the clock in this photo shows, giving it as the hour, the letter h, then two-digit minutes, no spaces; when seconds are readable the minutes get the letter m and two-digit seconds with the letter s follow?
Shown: 4h18
